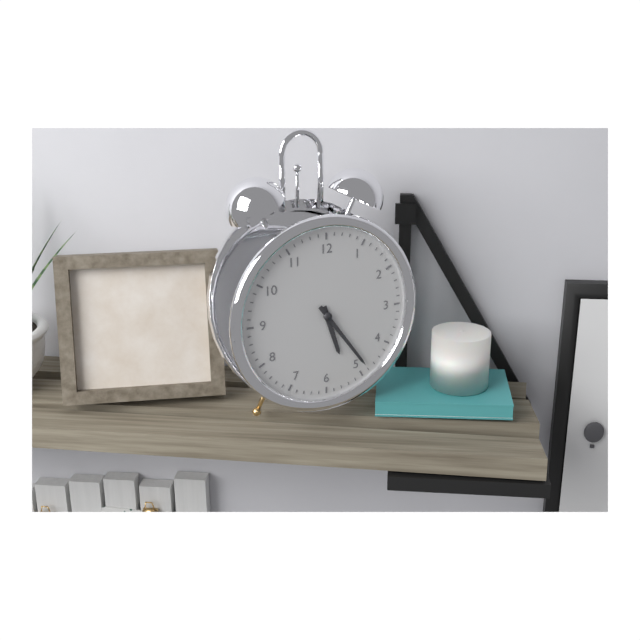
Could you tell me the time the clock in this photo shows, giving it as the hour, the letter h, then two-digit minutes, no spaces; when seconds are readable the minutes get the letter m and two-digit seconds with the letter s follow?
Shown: 5h24
